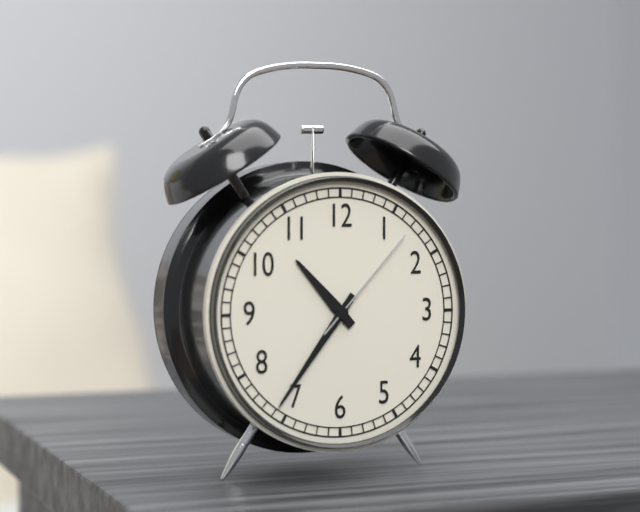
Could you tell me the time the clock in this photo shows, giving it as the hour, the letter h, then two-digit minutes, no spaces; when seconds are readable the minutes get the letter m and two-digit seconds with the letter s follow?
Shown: 10h36m07s
